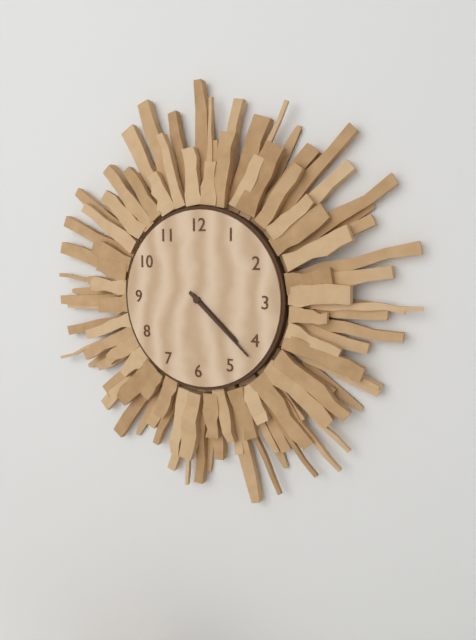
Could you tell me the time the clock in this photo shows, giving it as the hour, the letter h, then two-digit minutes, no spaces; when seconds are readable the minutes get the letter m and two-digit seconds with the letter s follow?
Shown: 4h22
